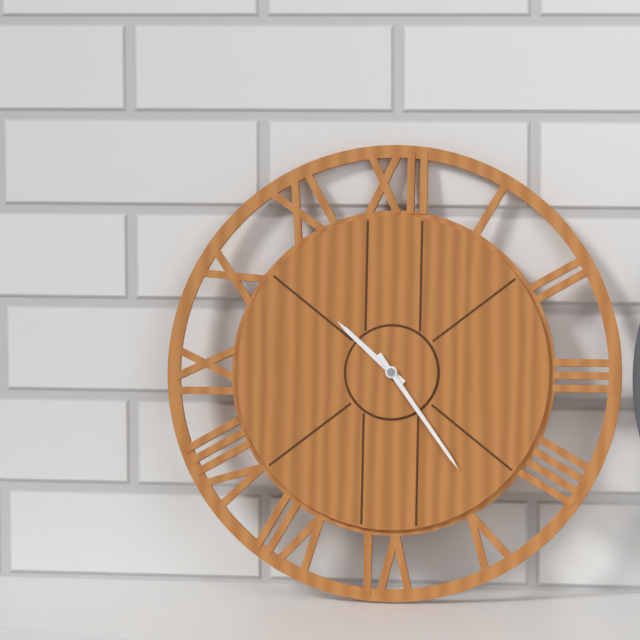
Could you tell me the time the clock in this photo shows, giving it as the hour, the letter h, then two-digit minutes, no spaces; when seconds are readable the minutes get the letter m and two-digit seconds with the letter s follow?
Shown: 10h24
